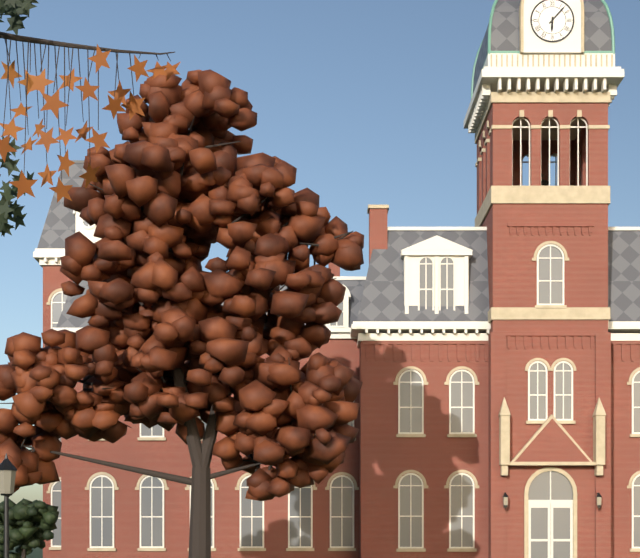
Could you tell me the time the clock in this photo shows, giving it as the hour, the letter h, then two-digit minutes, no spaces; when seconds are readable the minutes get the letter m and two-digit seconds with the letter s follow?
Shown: 6h07
